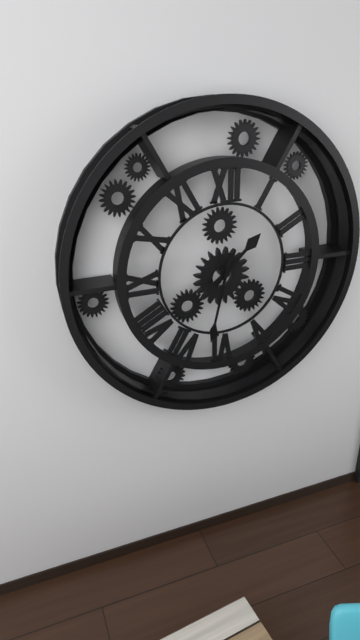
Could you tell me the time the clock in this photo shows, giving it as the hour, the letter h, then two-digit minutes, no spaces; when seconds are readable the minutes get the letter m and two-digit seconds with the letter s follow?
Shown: 1h32
